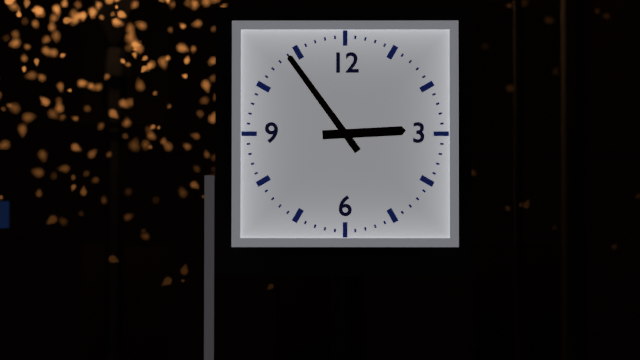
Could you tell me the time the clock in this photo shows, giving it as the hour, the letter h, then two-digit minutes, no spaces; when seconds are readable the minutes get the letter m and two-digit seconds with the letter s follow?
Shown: 2h54
